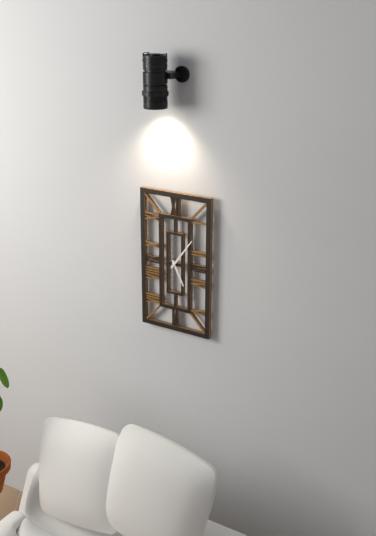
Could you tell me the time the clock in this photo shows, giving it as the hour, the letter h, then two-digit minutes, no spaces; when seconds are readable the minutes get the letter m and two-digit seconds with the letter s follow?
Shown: 5h06
